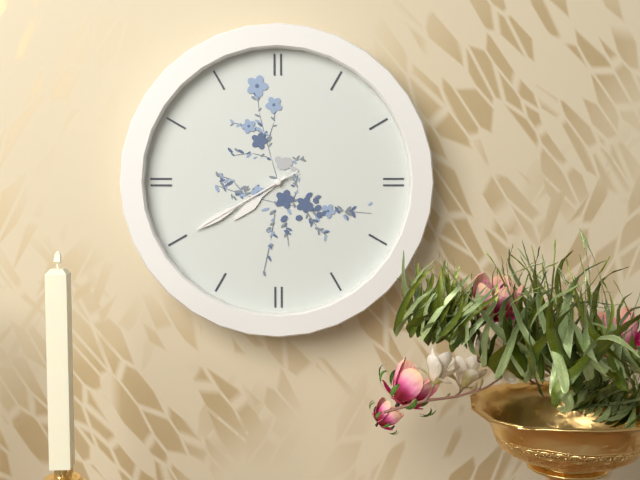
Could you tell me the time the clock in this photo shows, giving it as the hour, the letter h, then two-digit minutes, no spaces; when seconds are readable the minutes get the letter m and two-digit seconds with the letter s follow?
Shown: 7h40m40s
